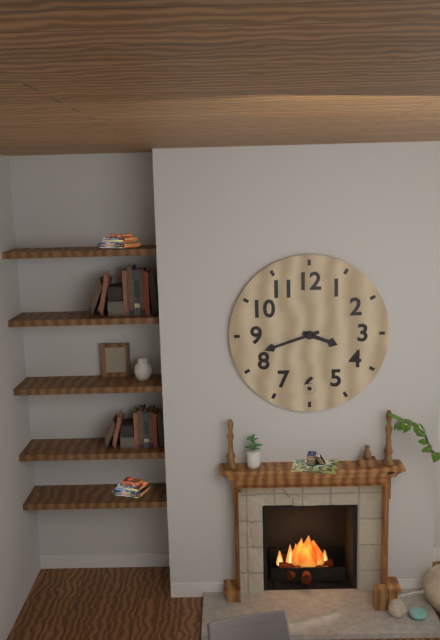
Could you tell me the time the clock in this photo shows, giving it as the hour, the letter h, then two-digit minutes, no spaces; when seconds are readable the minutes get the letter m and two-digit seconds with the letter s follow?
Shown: 3h42
